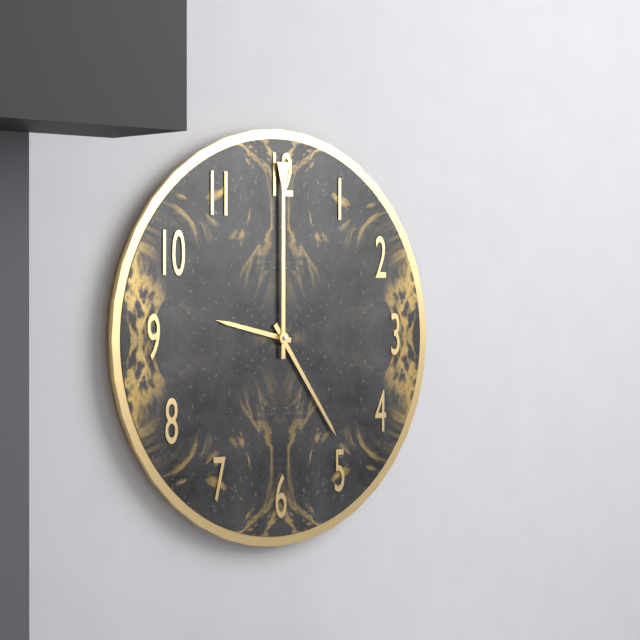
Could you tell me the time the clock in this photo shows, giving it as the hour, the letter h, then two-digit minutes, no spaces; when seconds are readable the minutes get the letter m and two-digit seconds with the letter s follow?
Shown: 9h24m00s
